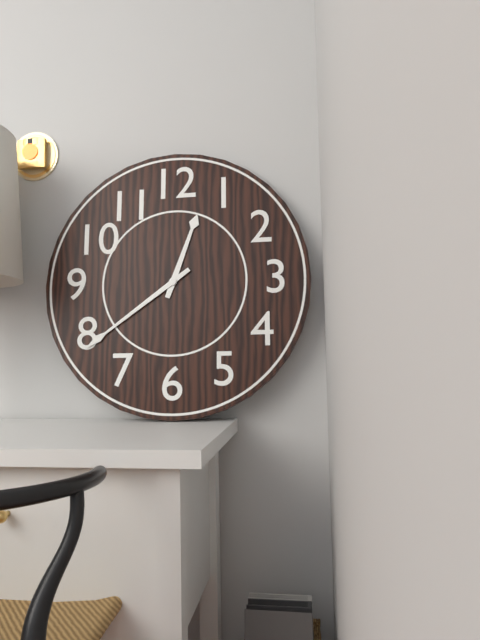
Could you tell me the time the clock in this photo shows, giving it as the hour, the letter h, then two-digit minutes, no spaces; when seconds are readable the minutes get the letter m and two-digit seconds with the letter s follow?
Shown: 12h39
